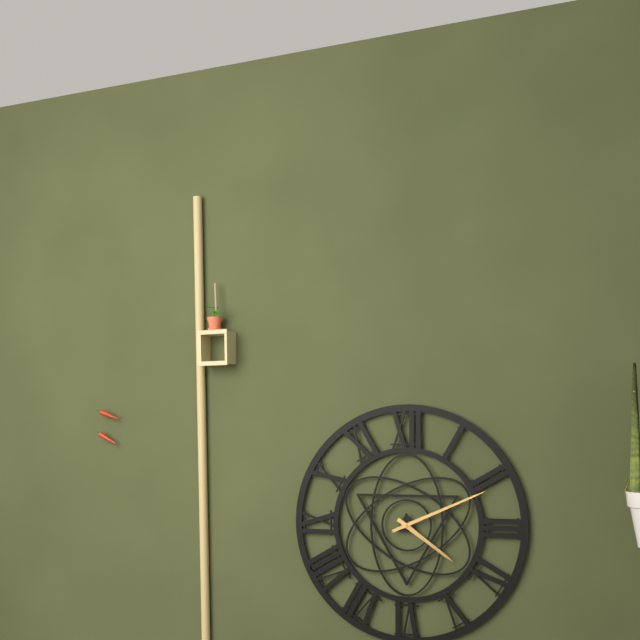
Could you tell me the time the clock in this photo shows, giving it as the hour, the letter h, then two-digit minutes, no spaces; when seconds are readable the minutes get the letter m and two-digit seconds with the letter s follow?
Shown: 4h11
